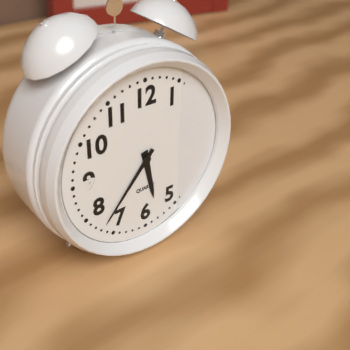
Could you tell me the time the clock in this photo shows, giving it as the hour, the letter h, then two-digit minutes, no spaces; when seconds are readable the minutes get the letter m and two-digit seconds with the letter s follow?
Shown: 5h37
